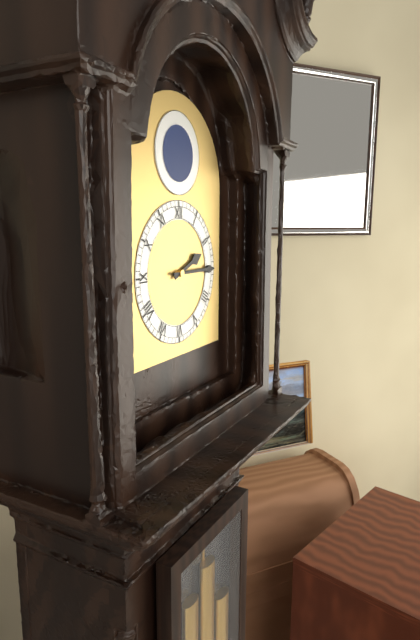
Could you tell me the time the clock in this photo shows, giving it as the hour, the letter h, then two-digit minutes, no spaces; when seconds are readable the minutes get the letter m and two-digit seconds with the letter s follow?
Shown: 2h15
